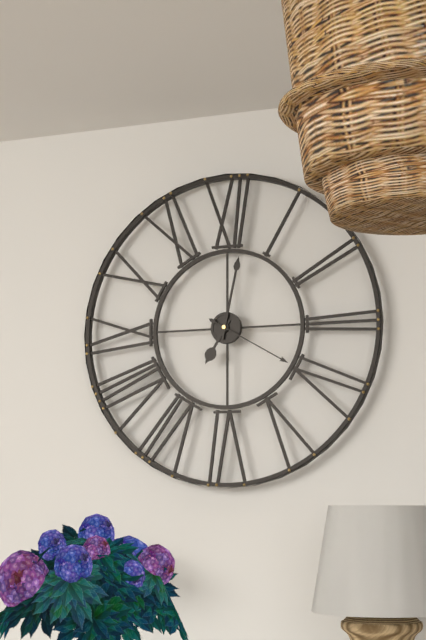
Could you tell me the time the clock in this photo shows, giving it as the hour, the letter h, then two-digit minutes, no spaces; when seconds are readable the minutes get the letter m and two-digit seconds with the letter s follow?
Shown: 7h02m20s
